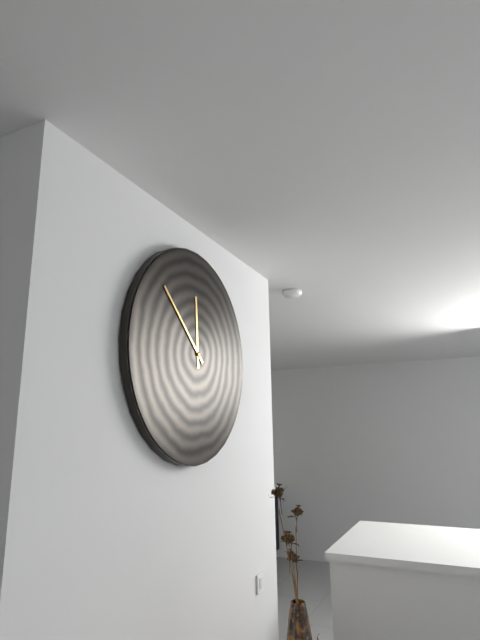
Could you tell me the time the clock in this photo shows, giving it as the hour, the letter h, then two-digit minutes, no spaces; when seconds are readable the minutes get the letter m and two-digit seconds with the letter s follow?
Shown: 11h52
